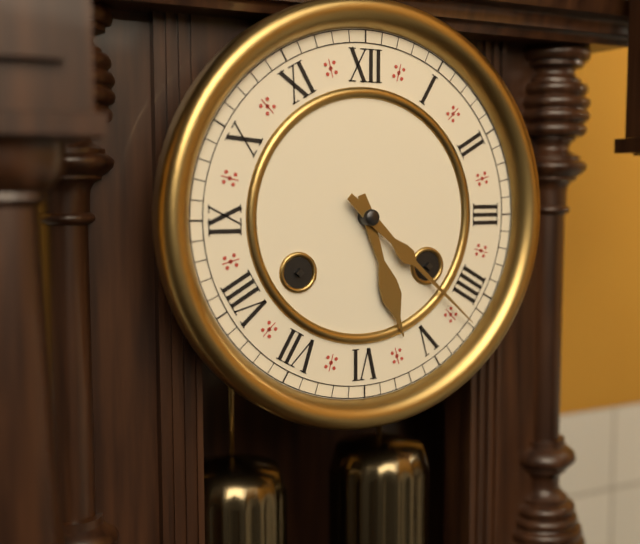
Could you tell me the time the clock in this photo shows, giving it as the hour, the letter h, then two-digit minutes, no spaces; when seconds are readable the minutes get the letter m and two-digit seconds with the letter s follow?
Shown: 5h22
